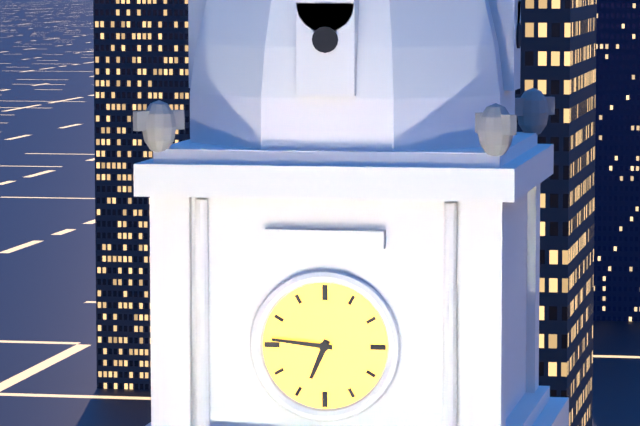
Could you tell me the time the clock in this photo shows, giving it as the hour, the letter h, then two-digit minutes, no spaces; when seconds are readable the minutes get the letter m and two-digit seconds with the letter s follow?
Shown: 6h46
